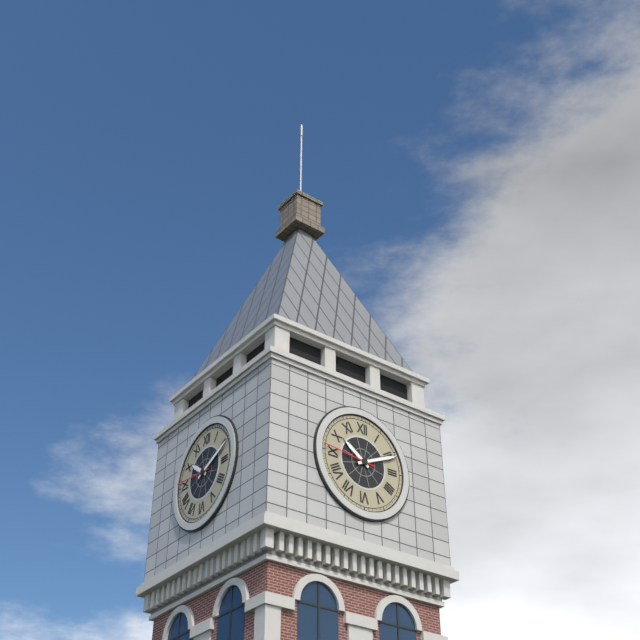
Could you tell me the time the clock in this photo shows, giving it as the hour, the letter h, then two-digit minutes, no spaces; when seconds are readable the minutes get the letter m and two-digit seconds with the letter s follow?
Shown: 10h11m46s
